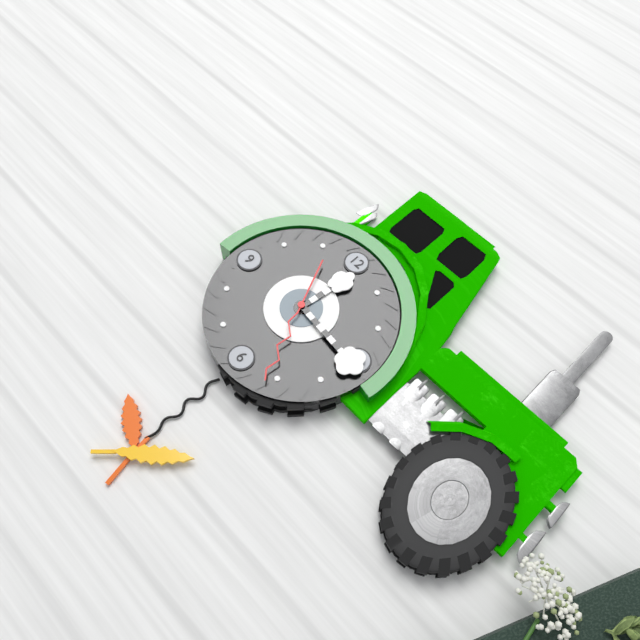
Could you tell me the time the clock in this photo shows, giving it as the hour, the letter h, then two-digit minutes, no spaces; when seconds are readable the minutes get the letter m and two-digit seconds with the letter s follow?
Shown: 12h16m26s
